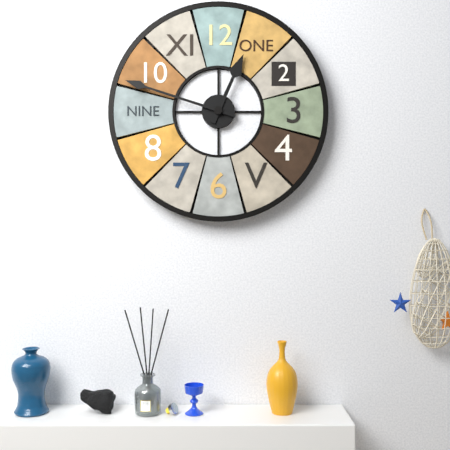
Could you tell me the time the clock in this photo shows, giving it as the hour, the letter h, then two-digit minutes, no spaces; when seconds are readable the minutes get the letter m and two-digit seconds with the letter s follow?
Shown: 12h48
